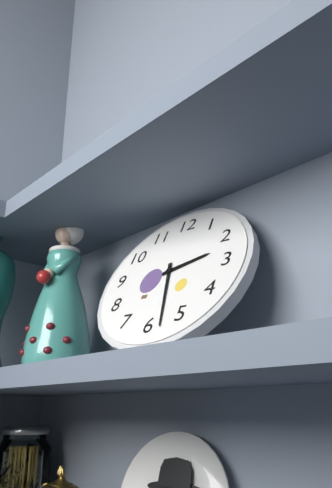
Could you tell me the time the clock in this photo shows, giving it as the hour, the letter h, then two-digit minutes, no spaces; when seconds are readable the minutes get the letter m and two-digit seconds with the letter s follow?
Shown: 2h28
